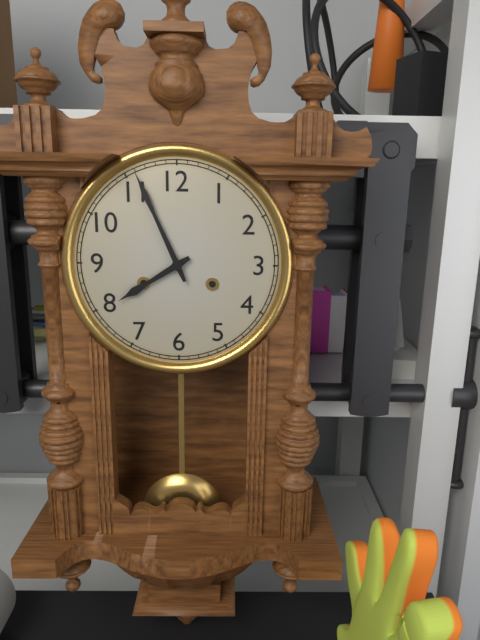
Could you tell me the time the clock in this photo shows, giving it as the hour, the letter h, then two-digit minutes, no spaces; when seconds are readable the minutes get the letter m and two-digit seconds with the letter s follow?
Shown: 7h56
